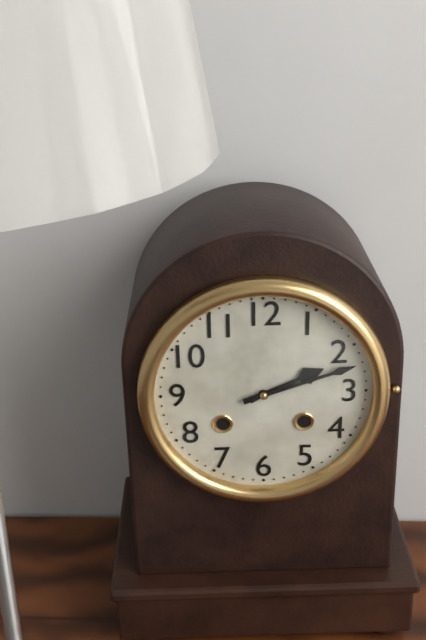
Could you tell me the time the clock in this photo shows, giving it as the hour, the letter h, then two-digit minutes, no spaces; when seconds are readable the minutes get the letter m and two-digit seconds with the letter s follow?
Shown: 2h12
